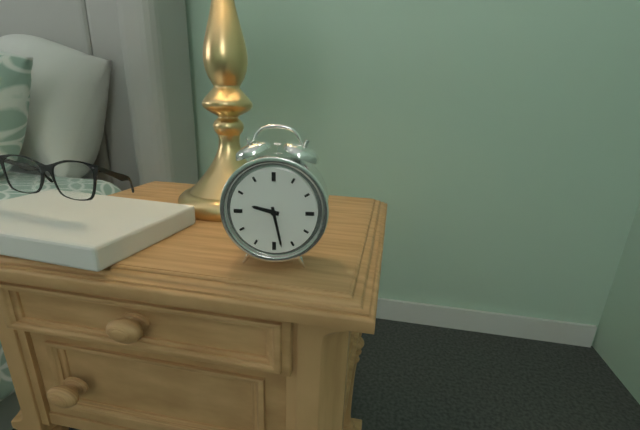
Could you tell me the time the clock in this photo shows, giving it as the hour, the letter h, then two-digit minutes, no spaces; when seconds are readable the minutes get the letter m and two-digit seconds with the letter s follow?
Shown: 9h28
